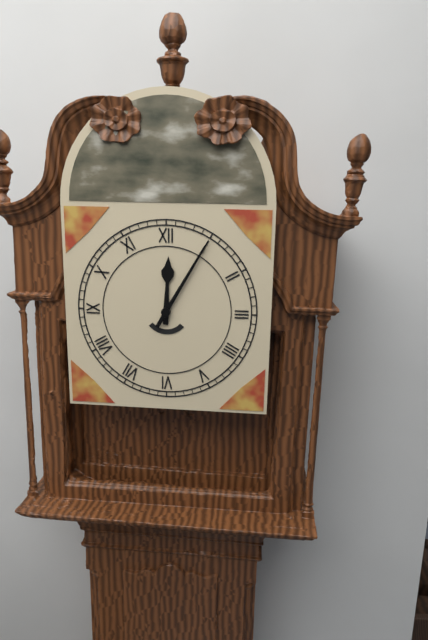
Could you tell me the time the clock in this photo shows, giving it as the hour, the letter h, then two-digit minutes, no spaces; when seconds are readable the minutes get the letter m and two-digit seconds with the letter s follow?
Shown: 12h05
